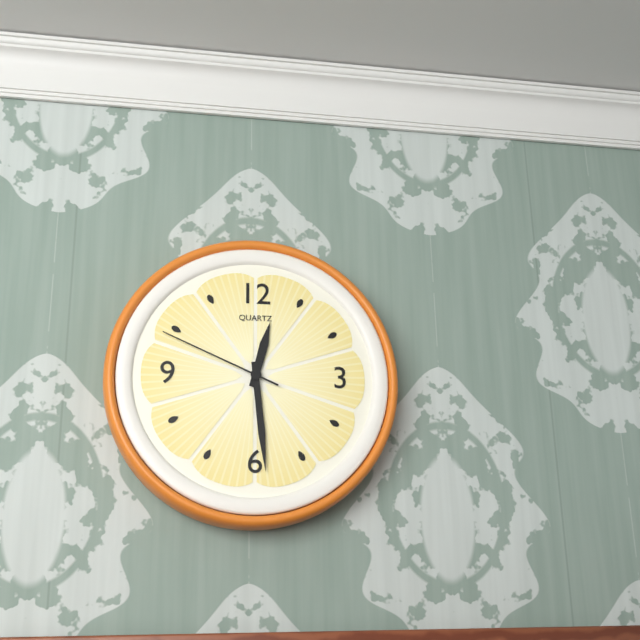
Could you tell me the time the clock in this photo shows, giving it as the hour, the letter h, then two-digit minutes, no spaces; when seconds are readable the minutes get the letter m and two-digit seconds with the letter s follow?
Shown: 12h29m49s
